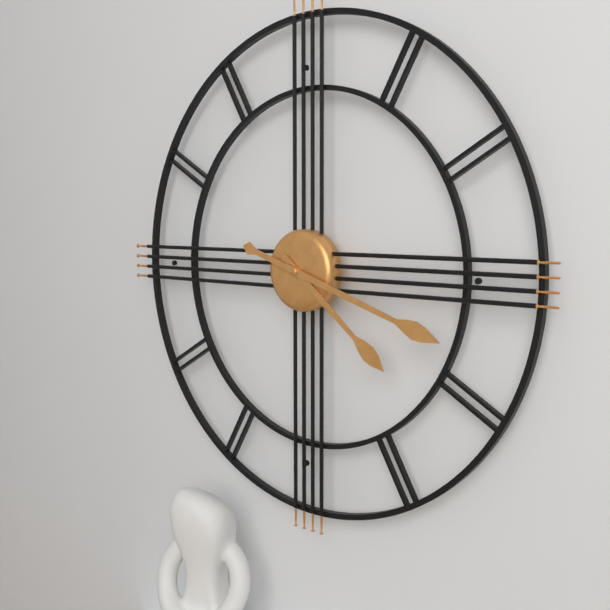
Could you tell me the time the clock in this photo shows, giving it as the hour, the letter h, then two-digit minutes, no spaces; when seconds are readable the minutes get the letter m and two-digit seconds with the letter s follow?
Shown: 4h18
